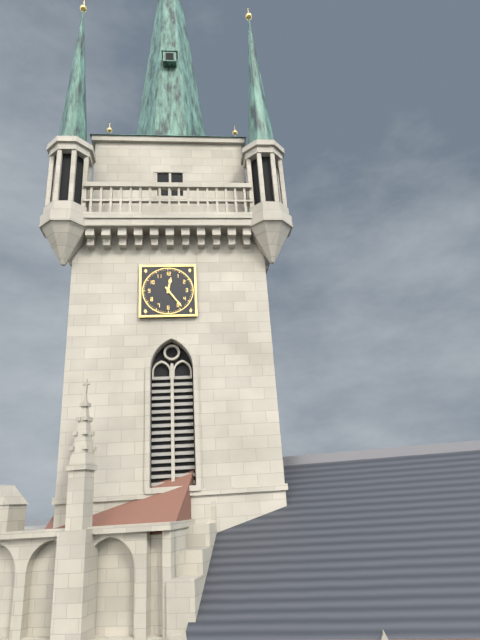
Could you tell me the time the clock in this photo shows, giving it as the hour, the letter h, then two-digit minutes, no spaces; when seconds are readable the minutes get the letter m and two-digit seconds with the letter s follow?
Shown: 12h24
